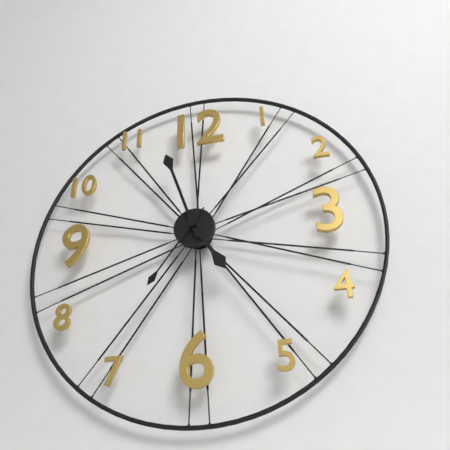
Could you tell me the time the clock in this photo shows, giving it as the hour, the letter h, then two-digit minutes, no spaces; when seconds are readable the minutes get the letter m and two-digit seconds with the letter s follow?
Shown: 4h57m36s
